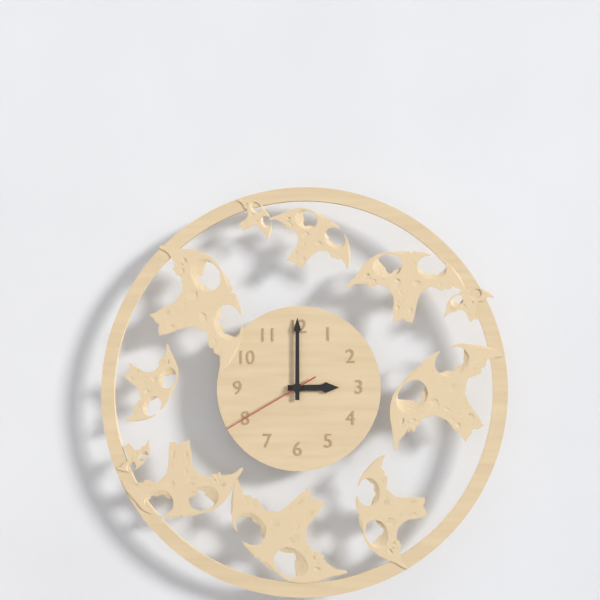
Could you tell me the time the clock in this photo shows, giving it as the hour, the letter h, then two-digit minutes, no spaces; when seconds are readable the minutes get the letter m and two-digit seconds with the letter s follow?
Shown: 3h00m40s
